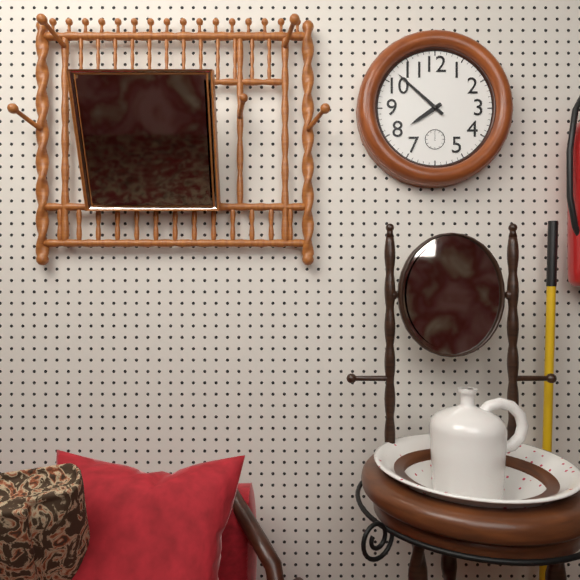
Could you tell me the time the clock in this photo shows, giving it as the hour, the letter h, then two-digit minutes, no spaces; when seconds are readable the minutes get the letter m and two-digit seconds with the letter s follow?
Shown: 7h52
